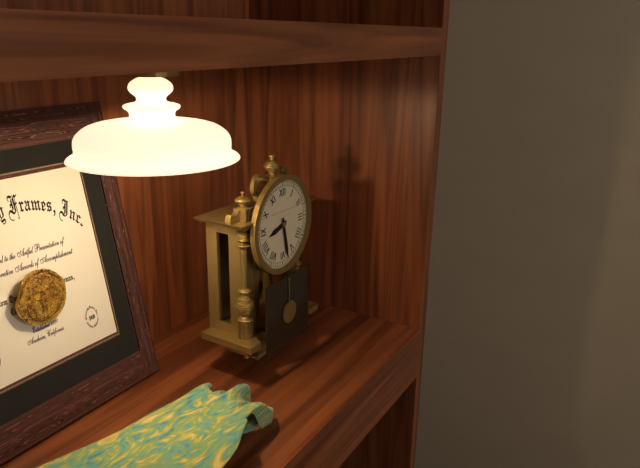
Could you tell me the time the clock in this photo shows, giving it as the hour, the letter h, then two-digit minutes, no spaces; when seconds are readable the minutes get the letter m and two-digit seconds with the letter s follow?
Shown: 8h28
